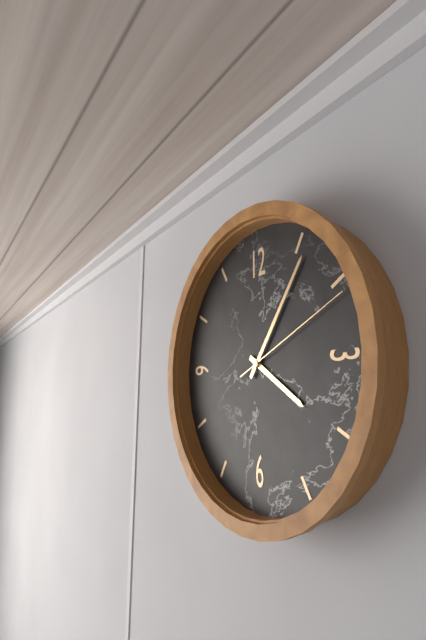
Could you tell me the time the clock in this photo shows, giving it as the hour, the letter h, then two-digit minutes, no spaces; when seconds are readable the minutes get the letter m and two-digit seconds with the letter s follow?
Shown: 4h06m11s
